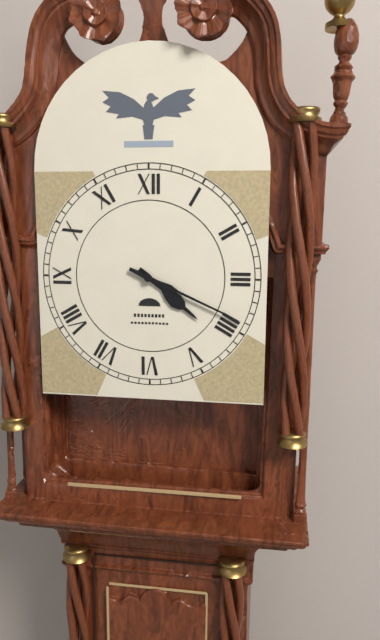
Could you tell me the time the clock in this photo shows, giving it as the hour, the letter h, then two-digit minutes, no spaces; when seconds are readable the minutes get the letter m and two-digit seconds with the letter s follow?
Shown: 4h19
